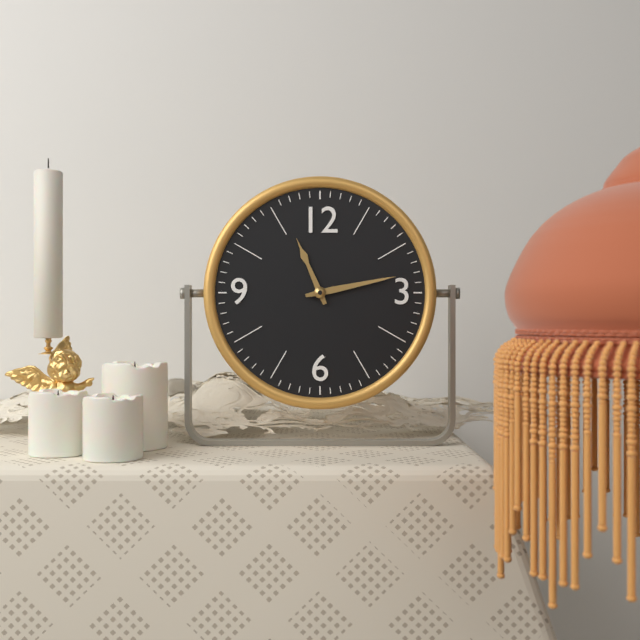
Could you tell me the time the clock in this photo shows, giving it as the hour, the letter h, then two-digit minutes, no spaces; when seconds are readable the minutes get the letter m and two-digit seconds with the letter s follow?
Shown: 11h13
